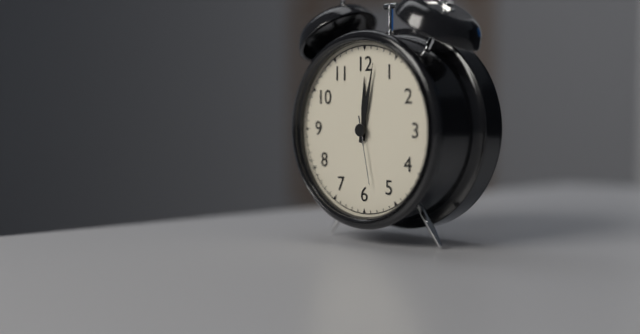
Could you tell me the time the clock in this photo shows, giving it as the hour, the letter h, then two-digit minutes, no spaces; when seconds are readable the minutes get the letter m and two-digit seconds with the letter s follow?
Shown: 12h02m28s
